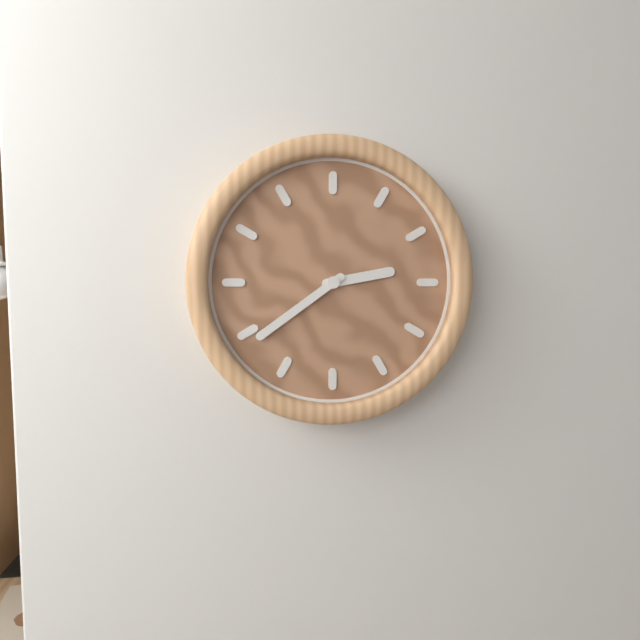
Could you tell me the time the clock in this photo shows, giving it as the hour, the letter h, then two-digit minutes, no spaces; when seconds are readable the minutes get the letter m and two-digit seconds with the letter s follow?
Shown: 2h39
